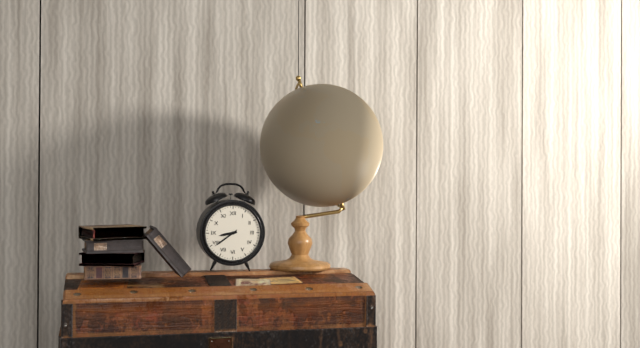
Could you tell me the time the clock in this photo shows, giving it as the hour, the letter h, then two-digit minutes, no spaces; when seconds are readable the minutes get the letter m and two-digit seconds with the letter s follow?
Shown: 8h39
